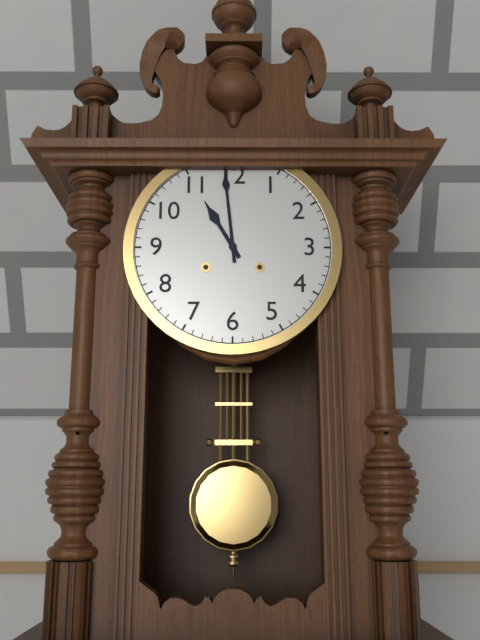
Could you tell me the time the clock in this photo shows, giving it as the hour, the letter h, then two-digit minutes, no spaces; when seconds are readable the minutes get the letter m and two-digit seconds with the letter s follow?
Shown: 10h59
